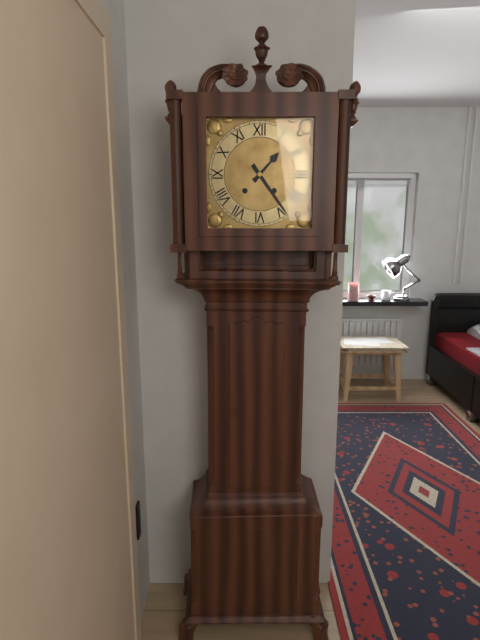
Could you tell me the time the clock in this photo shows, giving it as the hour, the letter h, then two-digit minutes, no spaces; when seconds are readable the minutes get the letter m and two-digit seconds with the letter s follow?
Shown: 1h24
